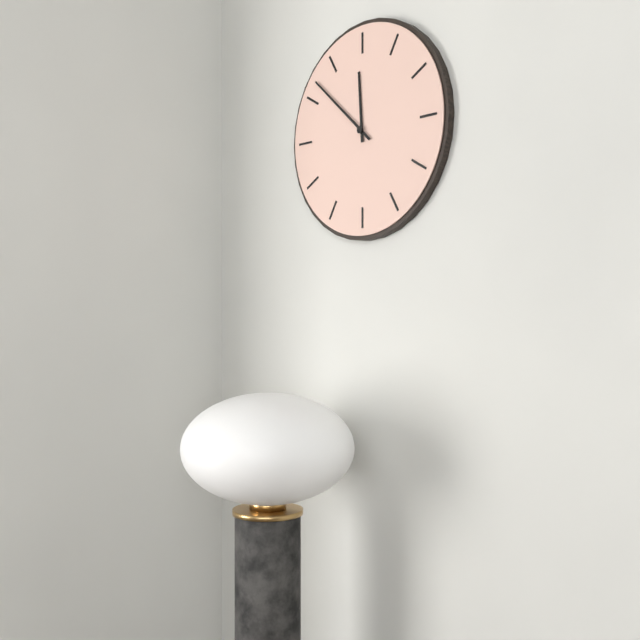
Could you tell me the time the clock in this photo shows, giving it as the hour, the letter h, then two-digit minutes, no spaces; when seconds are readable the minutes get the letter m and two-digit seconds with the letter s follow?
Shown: 11h52
